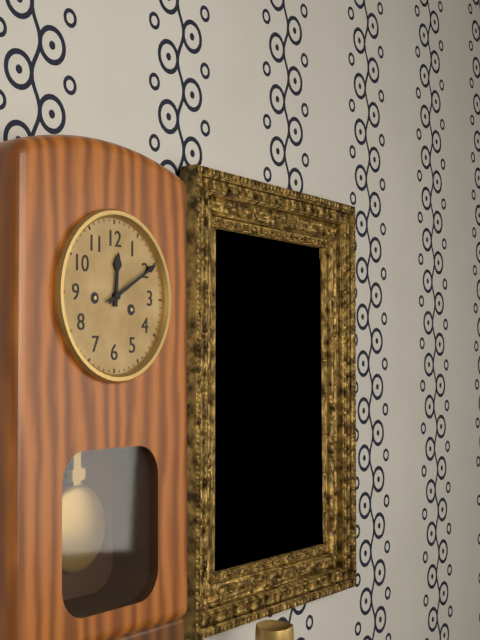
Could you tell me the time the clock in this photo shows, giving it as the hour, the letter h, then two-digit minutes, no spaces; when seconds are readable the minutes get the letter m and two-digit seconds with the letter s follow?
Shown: 12h10
